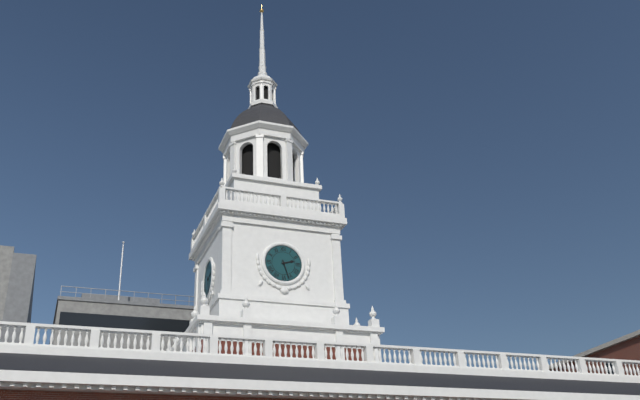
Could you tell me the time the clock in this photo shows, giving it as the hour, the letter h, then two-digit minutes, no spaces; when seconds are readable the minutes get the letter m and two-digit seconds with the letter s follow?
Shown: 2h27
